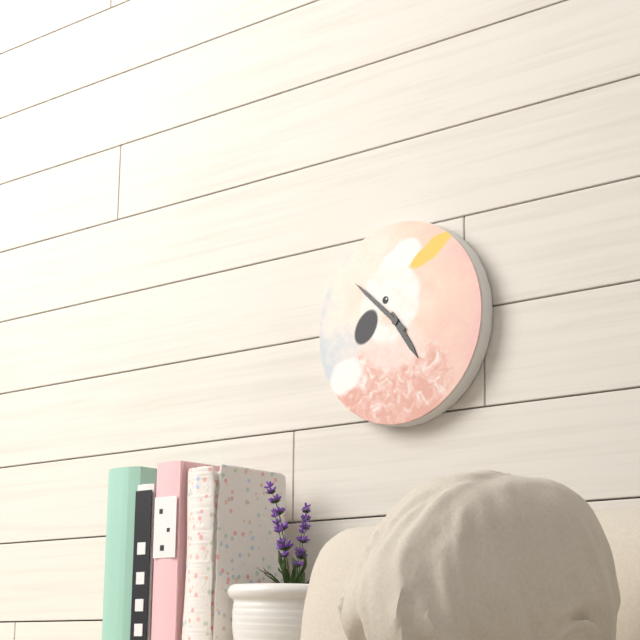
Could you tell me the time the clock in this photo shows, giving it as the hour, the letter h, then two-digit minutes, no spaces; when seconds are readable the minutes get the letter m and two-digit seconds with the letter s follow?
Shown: 4h52
